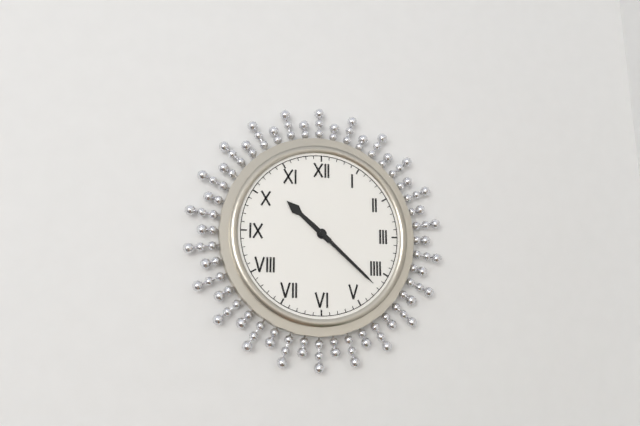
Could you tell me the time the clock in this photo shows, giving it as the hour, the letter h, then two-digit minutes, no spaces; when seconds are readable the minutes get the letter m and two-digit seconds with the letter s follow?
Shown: 10h22
